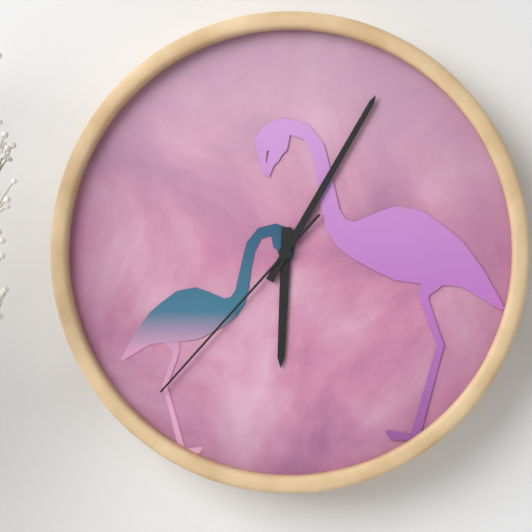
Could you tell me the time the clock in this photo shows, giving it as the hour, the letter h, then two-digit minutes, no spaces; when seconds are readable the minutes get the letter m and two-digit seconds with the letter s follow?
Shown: 6h05m37s
